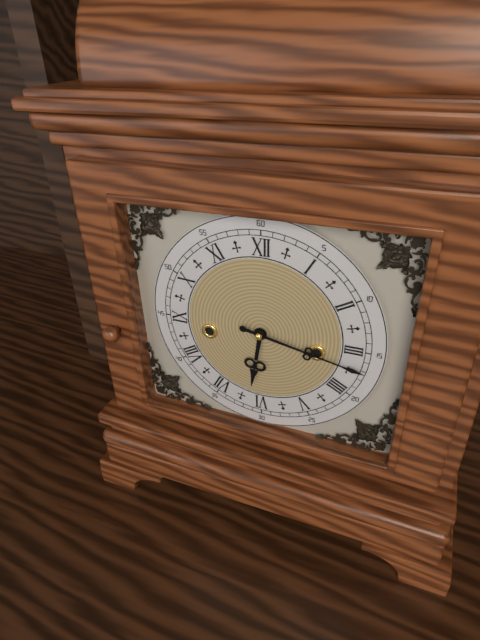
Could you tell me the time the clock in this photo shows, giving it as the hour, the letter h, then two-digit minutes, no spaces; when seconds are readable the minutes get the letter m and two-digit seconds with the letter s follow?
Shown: 6h17
